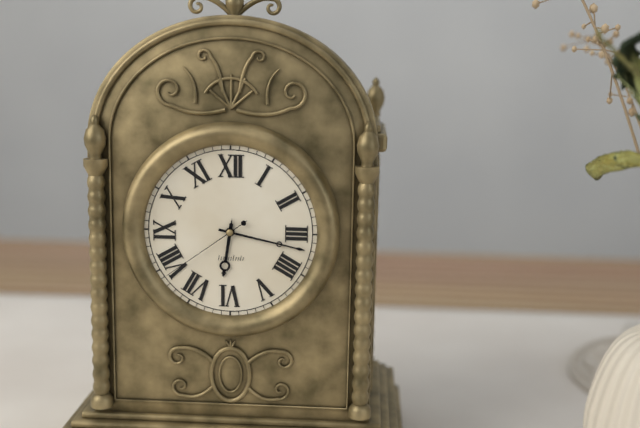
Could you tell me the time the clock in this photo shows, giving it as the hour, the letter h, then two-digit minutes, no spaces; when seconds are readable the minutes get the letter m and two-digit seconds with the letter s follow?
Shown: 6h17m39s
